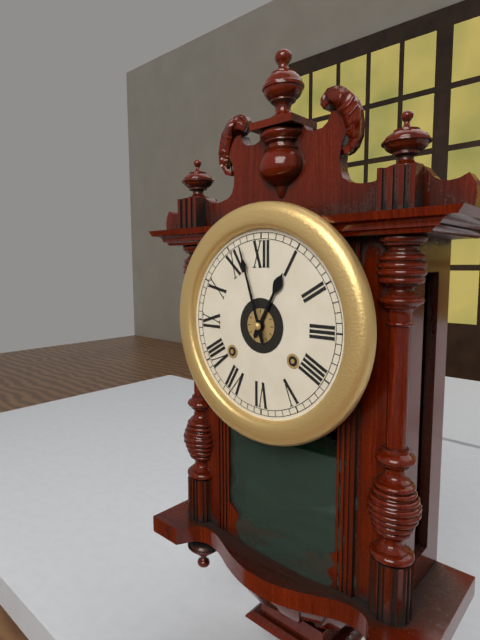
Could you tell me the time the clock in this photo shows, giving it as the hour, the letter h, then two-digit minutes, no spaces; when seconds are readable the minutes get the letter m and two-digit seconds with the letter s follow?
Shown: 12h57
